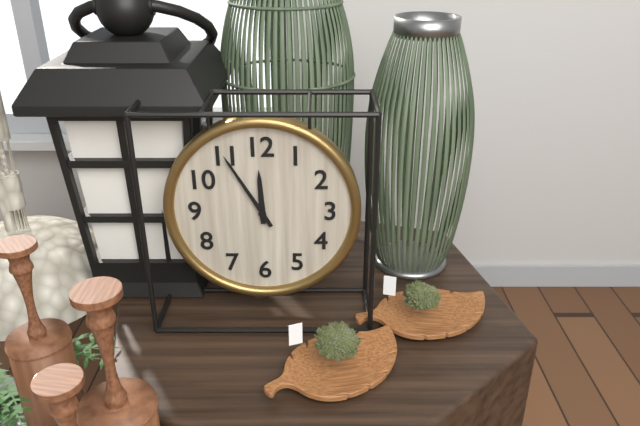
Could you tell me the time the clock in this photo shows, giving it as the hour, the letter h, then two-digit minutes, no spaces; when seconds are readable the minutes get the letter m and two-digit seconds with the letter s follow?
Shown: 11h55
